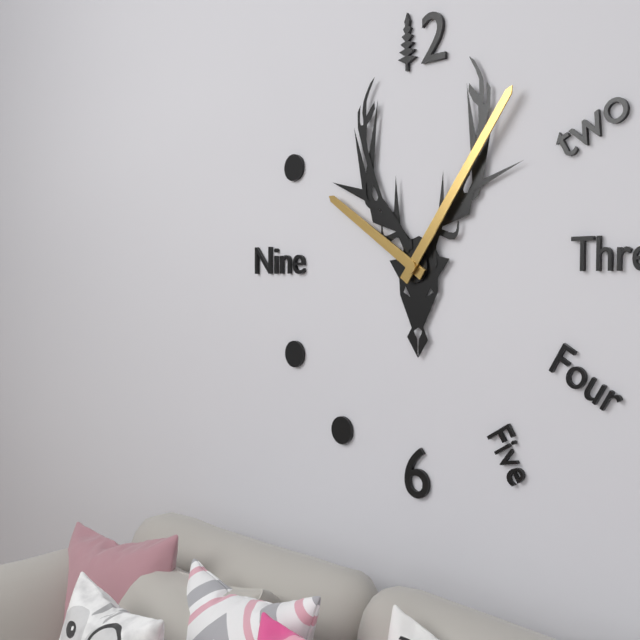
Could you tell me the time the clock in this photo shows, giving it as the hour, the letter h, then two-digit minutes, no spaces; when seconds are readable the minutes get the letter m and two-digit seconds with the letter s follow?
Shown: 10h06
